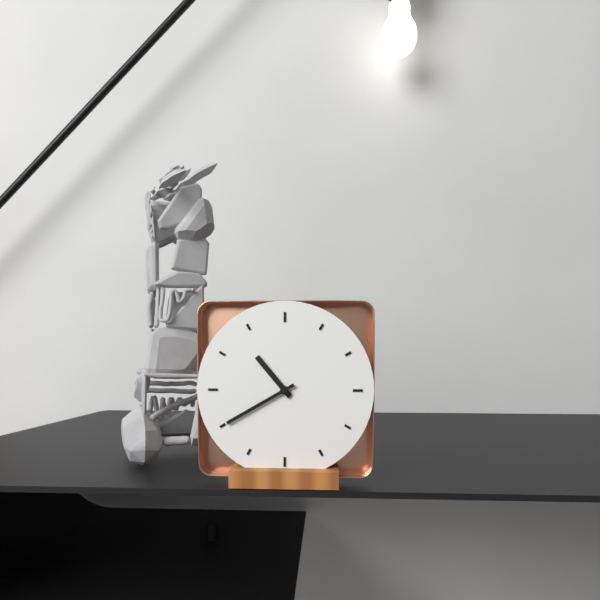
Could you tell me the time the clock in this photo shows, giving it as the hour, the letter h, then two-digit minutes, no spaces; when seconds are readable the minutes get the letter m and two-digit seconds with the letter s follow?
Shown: 10h40
